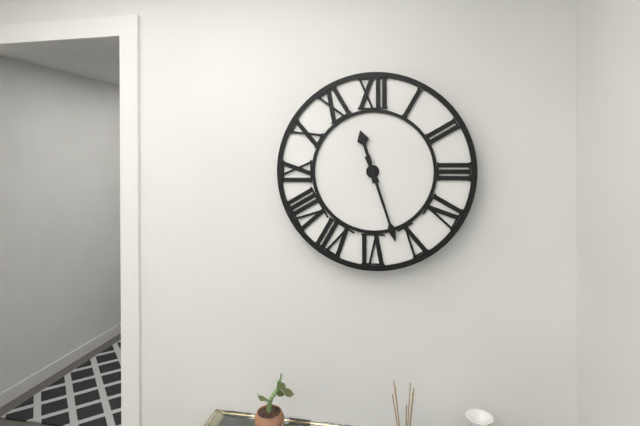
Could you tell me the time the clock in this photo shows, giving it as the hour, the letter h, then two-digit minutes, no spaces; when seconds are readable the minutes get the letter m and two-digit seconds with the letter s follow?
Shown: 11h27
